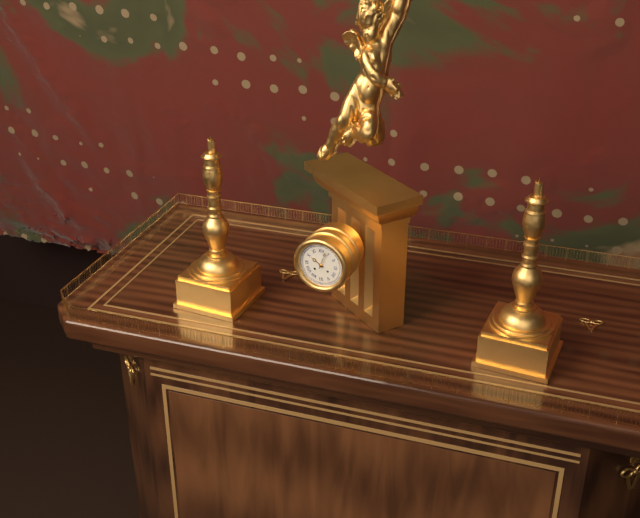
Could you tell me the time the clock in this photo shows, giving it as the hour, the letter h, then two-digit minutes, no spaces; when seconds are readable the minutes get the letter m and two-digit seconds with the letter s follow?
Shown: 10h03
